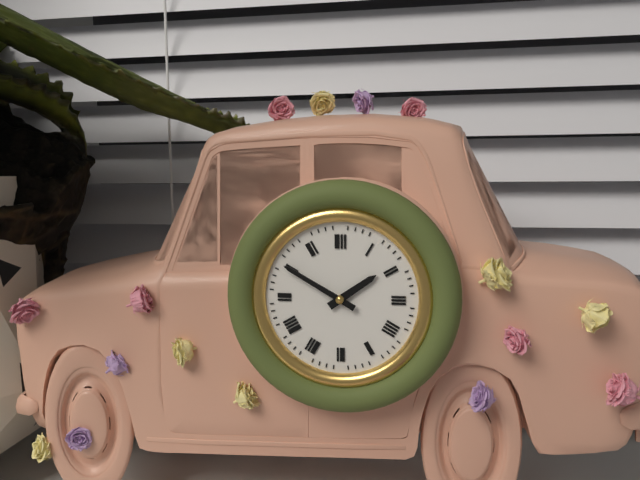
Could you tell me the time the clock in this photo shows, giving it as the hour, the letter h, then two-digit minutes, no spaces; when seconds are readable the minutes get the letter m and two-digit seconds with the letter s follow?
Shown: 1h50
